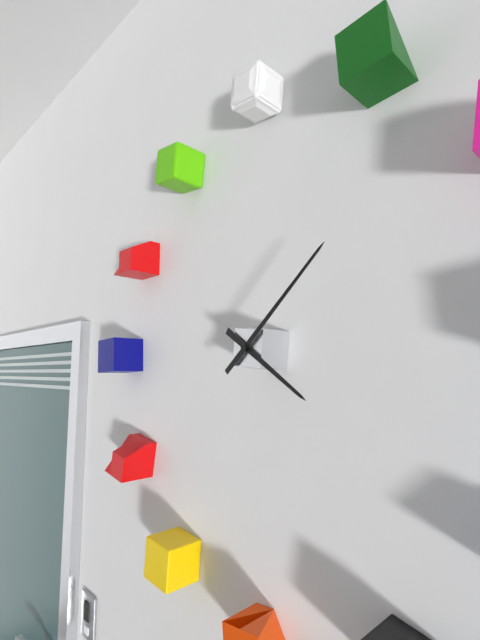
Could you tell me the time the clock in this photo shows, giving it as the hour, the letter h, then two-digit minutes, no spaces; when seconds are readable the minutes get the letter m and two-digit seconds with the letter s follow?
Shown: 4h08
